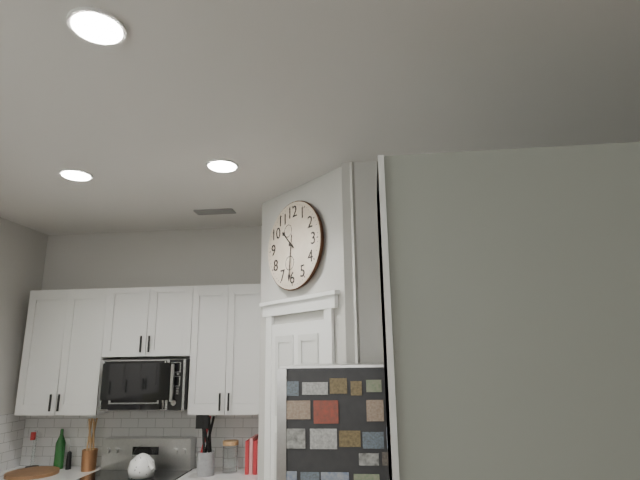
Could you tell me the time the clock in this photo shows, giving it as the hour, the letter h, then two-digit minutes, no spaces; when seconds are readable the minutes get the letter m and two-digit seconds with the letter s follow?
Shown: 10h31
